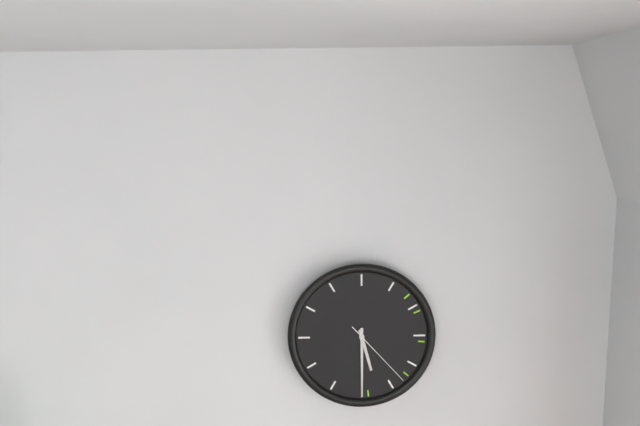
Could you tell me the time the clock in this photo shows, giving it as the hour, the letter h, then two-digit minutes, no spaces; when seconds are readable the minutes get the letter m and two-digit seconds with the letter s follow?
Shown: 5h30m23s
